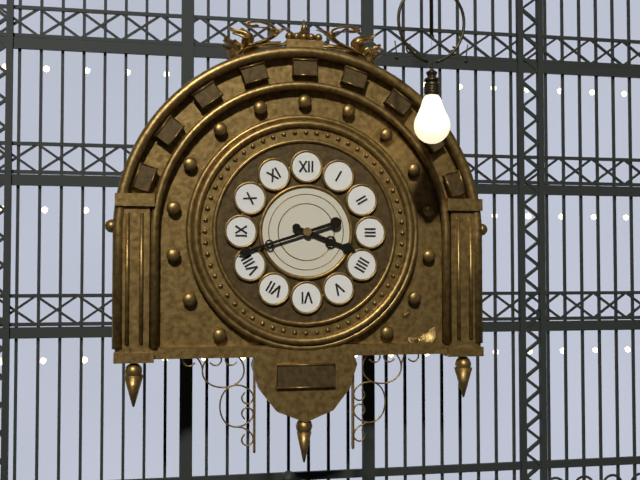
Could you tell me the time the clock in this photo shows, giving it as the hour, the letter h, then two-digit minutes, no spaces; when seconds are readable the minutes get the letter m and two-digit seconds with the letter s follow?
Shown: 3h42
